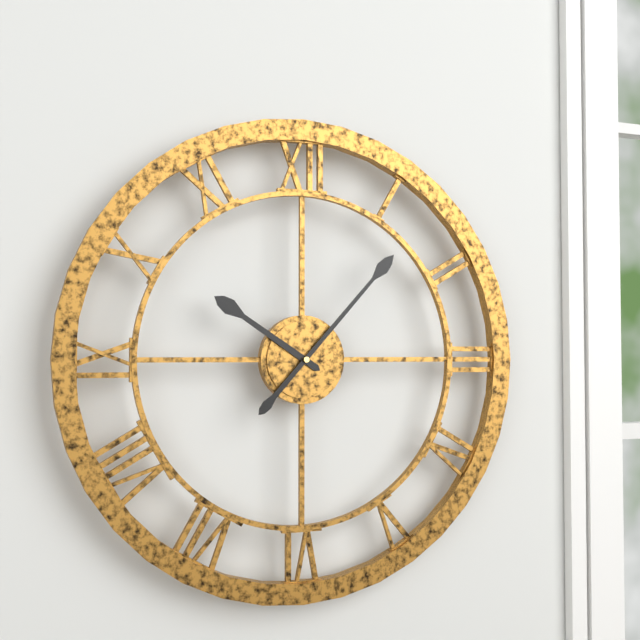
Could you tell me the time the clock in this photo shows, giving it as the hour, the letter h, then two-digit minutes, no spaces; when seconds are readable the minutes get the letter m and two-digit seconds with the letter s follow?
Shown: 10h07
